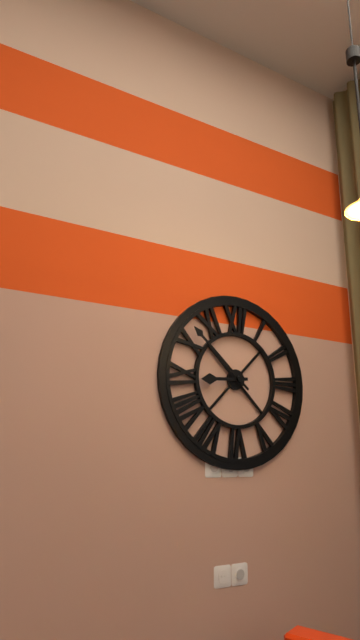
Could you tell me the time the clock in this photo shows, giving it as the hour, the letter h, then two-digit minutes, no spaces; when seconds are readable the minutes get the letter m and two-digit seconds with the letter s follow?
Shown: 8h52
